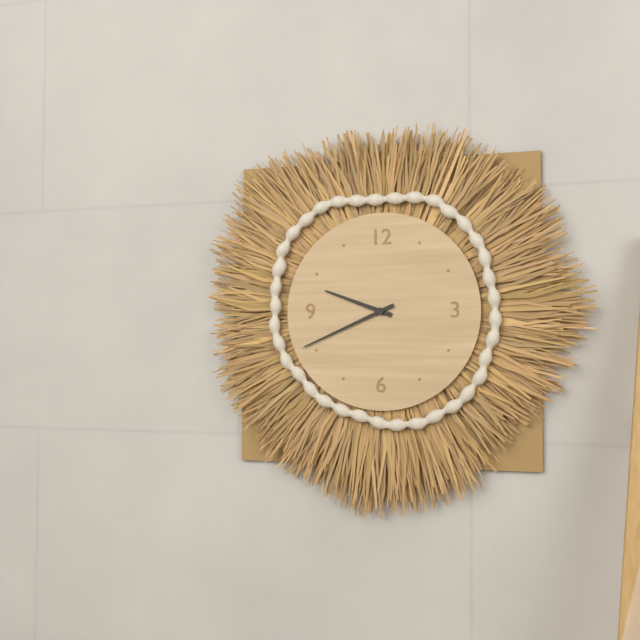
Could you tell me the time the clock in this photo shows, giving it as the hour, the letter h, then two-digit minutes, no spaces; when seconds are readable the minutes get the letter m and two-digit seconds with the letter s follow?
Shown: 9h41
